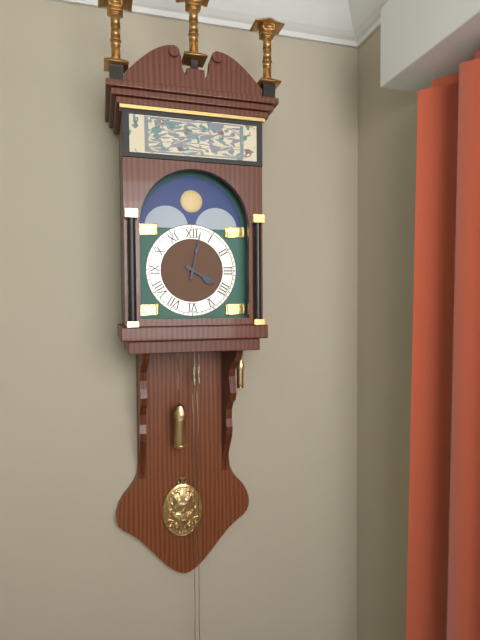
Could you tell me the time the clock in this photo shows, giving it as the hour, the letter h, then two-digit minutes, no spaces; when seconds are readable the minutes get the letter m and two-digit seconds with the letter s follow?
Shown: 4h02
